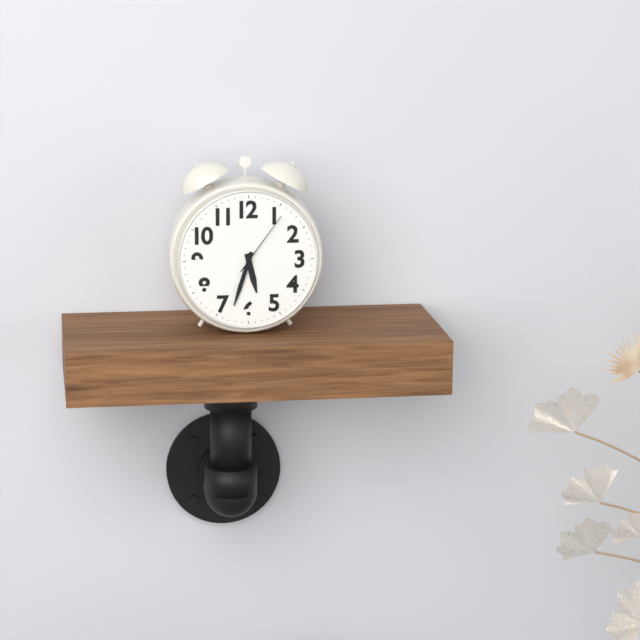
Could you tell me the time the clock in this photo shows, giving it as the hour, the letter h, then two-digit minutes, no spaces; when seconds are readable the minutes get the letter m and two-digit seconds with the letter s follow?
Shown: 5h33m06s
